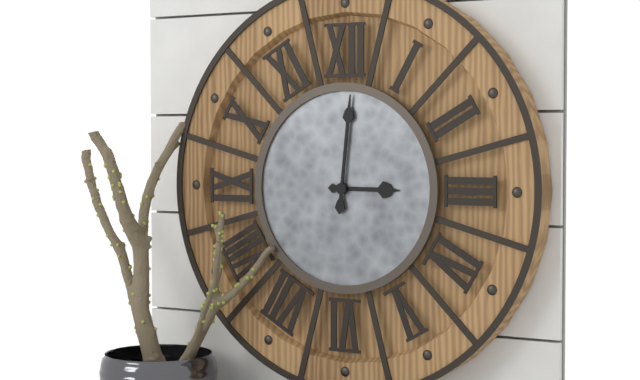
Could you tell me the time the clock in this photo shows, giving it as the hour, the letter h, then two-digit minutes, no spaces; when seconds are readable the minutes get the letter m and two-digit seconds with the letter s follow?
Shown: 3h01
